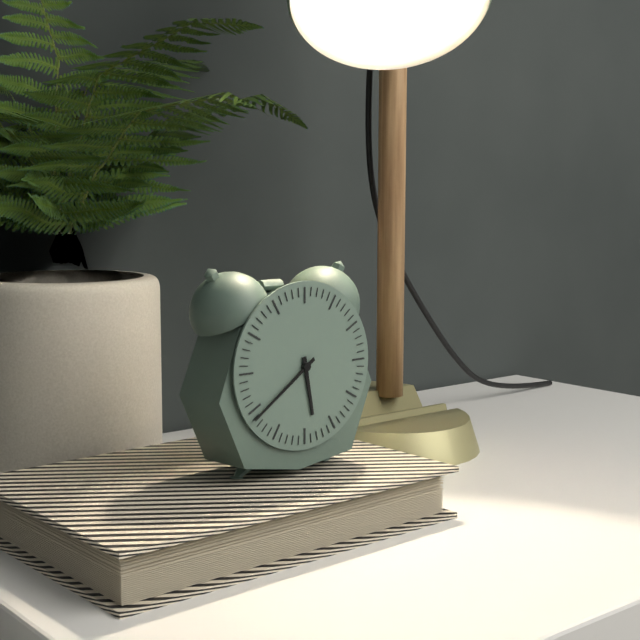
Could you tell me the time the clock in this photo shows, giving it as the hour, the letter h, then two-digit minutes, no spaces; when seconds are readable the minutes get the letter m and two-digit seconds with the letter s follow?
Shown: 5h39
